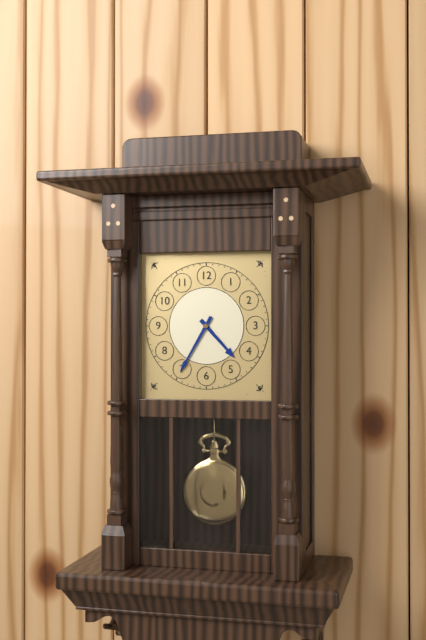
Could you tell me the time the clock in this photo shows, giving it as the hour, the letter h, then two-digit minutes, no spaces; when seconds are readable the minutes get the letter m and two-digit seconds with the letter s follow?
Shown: 4h35
